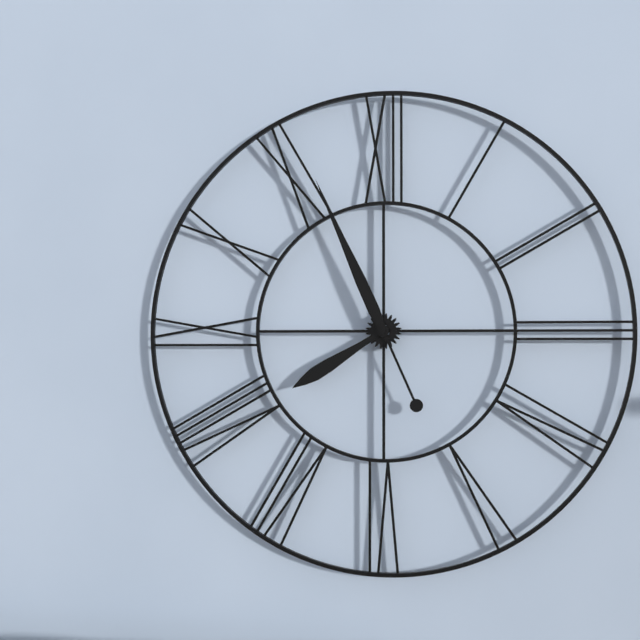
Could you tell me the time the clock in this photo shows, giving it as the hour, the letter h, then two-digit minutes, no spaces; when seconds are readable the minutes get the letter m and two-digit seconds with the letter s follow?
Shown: 7h56
